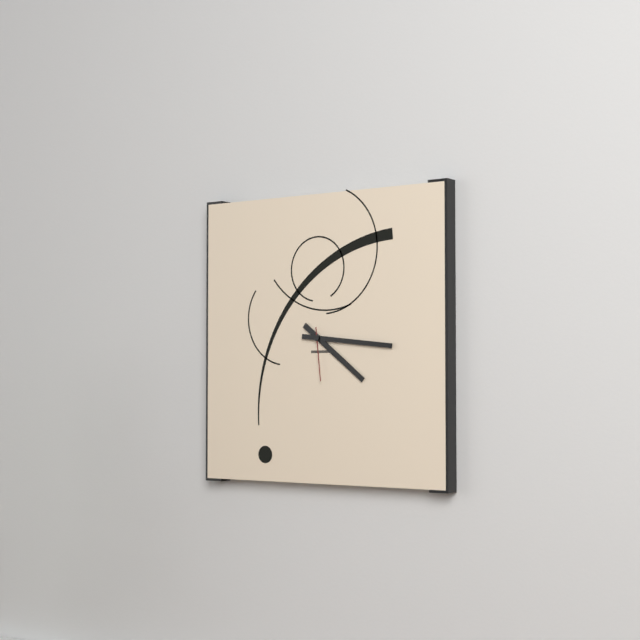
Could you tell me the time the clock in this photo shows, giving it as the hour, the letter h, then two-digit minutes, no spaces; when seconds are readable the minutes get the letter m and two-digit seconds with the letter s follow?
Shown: 4h16m29s
